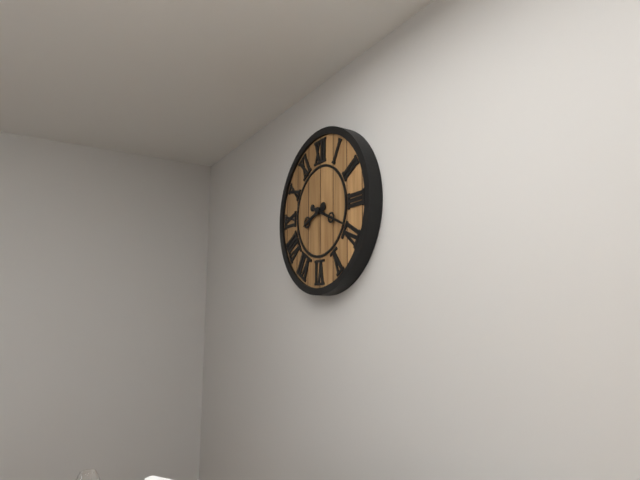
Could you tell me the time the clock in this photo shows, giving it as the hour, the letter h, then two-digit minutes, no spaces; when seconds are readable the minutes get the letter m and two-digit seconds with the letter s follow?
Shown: 8h19
